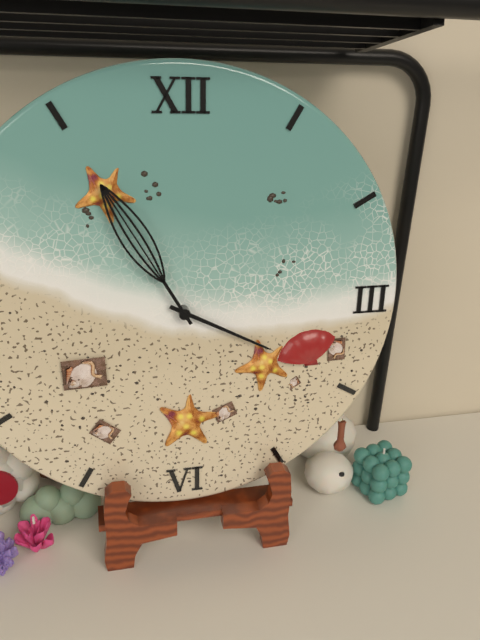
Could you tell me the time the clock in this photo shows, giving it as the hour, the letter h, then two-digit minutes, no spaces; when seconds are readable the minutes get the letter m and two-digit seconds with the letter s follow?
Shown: 3h55
